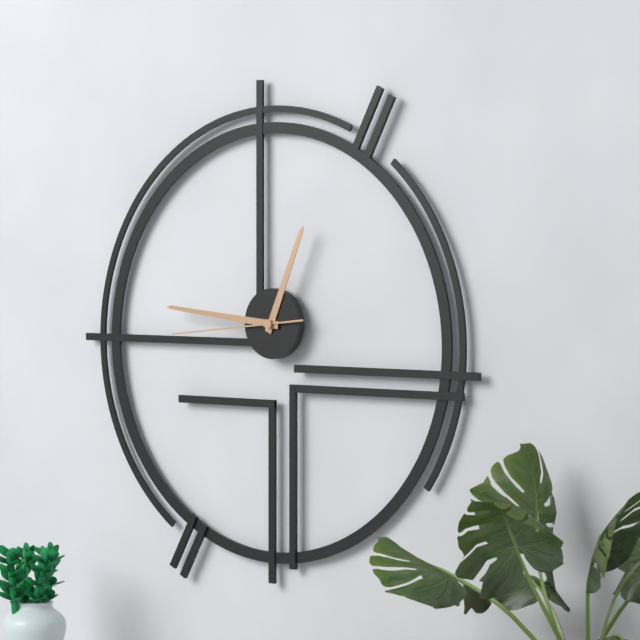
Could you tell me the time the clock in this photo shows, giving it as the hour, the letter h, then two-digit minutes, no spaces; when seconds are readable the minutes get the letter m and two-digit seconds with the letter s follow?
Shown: 12h46m44s
